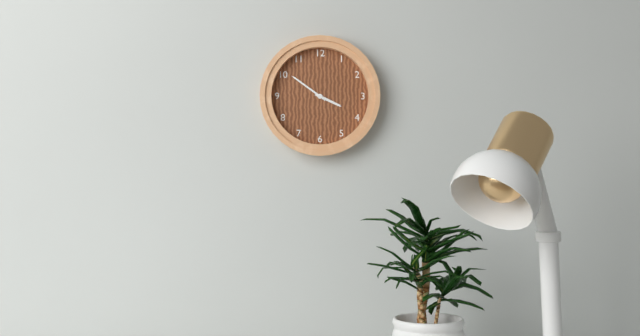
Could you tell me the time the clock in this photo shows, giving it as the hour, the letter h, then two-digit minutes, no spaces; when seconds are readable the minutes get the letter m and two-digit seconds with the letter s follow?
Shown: 3h51
